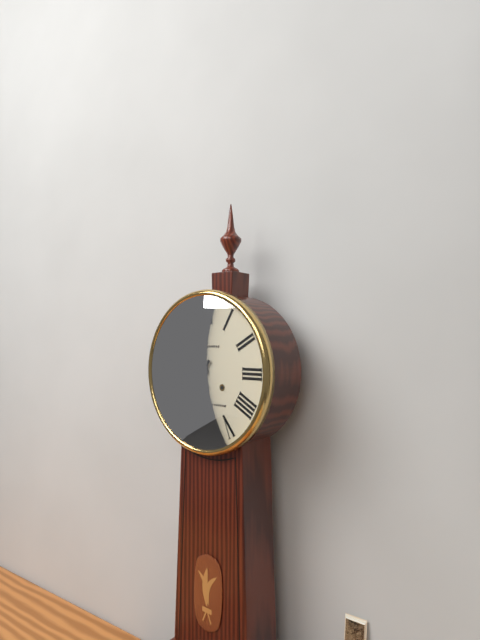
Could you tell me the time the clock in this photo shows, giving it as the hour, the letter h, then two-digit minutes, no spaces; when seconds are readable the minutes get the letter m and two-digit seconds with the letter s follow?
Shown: 6h35
